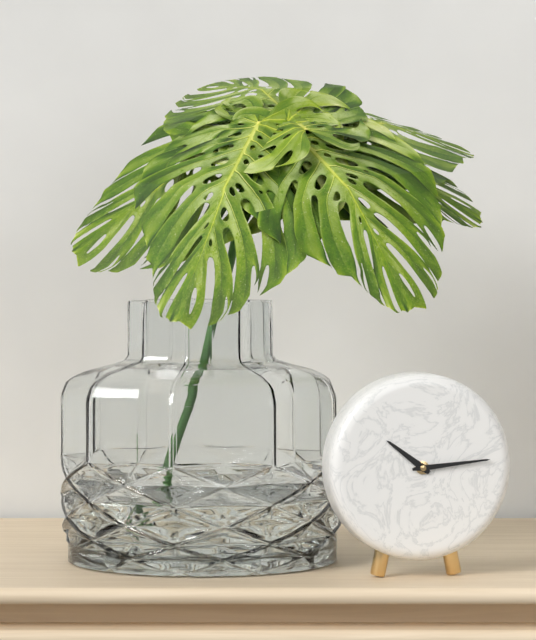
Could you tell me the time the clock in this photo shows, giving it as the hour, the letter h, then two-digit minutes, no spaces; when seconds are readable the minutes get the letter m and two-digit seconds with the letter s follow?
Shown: 10h14
